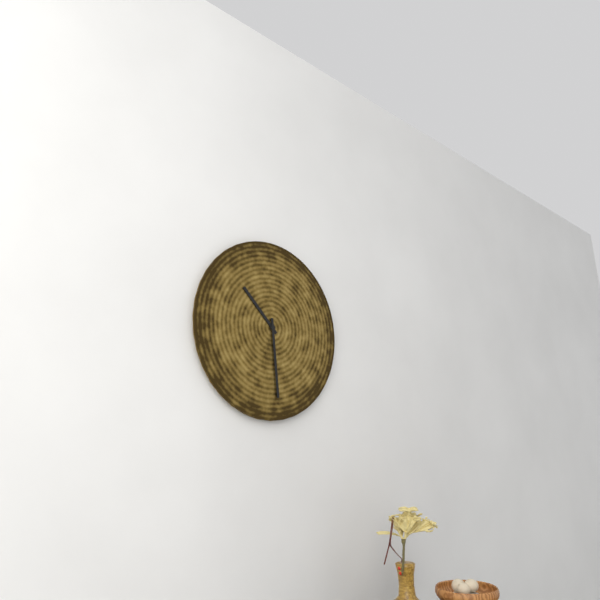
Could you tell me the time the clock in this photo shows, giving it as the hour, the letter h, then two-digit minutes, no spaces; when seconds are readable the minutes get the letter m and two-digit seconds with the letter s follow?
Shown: 10h29
